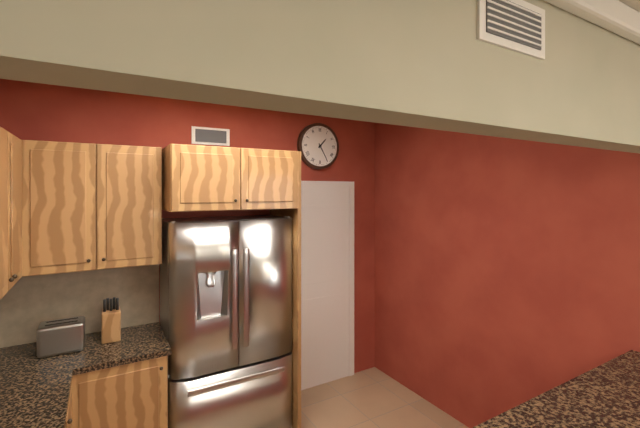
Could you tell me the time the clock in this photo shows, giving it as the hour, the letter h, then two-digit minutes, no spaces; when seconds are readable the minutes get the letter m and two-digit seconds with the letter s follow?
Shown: 1h25
